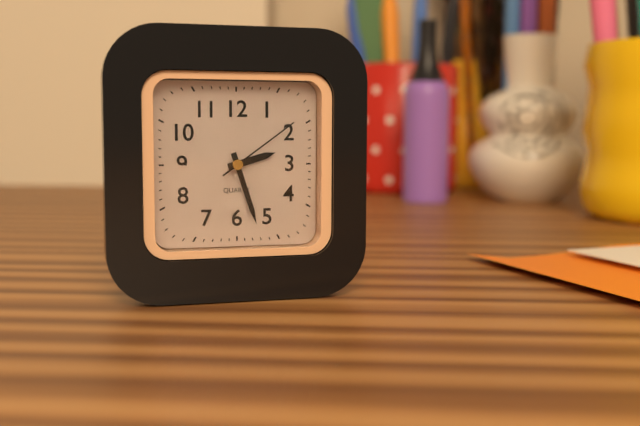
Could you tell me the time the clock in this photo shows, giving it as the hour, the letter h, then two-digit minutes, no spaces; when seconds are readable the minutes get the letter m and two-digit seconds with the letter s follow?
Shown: 2h27m09s
